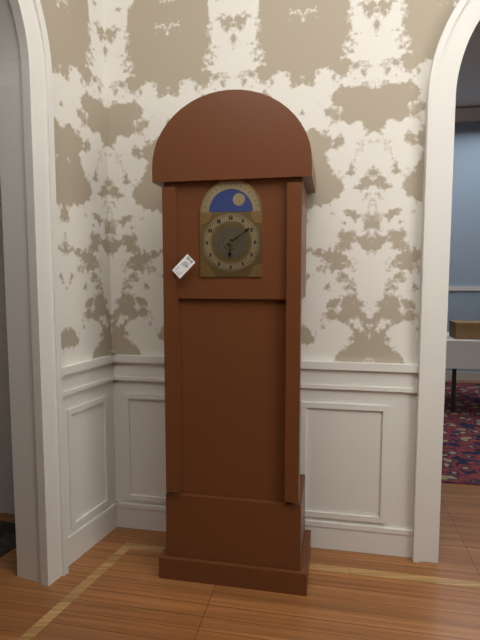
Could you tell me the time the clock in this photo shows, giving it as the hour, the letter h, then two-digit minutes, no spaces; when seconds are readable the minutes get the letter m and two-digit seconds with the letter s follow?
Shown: 6h09
